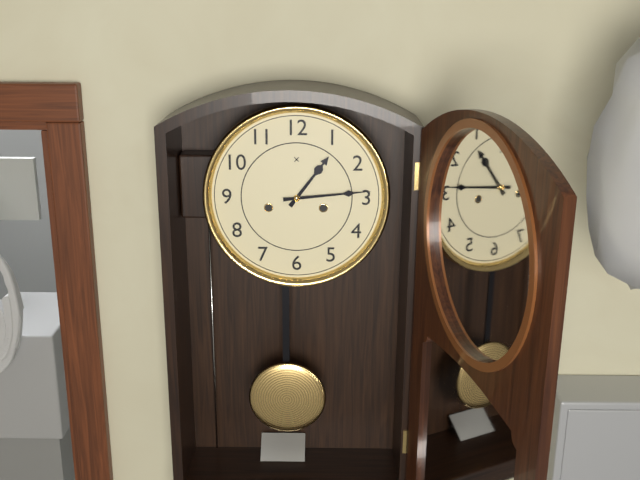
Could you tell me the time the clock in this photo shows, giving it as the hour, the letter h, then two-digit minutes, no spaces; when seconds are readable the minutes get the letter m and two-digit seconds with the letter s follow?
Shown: 1h14
